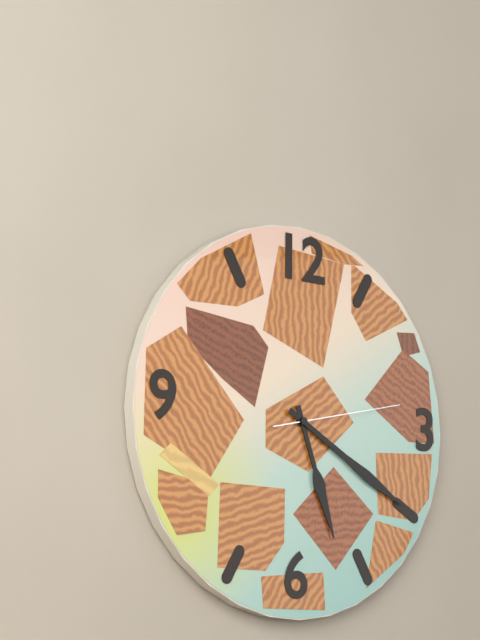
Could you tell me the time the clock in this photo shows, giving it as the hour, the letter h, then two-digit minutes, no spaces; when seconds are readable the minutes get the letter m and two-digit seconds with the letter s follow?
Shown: 5h20m13s
